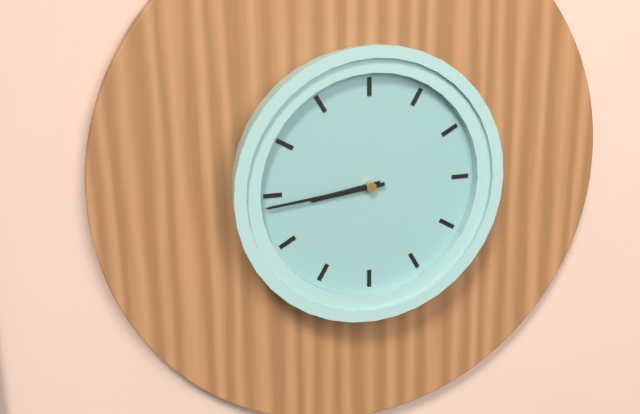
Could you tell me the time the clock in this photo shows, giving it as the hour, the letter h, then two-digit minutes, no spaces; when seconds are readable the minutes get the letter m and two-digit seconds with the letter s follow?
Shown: 8h44
